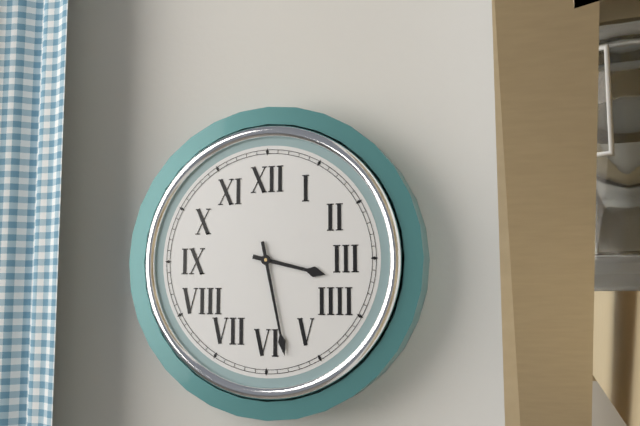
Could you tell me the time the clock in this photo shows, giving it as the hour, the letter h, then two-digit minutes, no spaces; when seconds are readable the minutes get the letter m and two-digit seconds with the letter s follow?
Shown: 3h28
